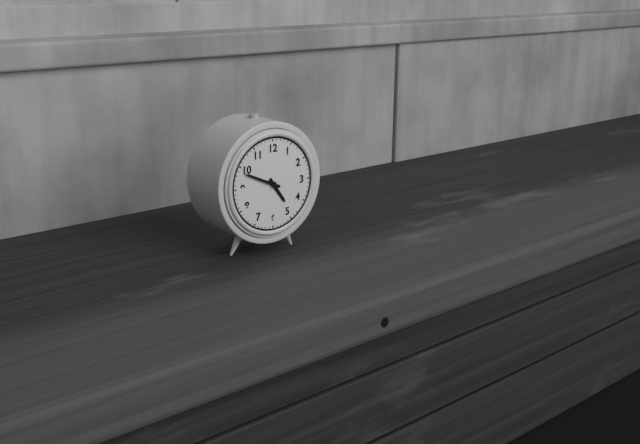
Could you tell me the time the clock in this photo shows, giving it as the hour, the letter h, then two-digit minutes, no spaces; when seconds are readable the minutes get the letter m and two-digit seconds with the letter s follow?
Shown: 4h49
